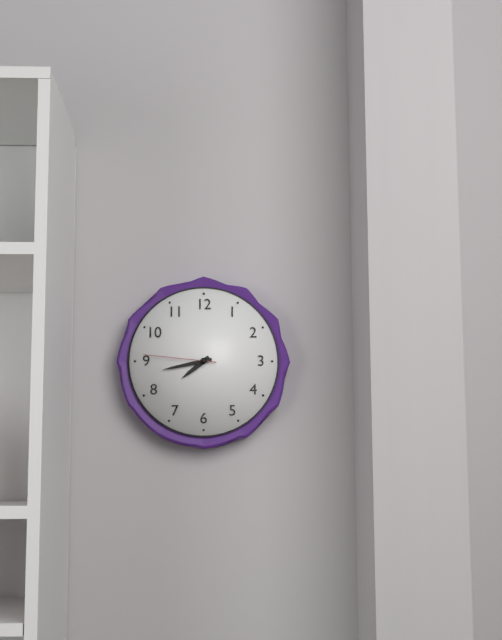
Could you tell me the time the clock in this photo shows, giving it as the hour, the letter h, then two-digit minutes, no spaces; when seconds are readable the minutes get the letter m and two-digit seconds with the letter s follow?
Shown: 7h43m46s
